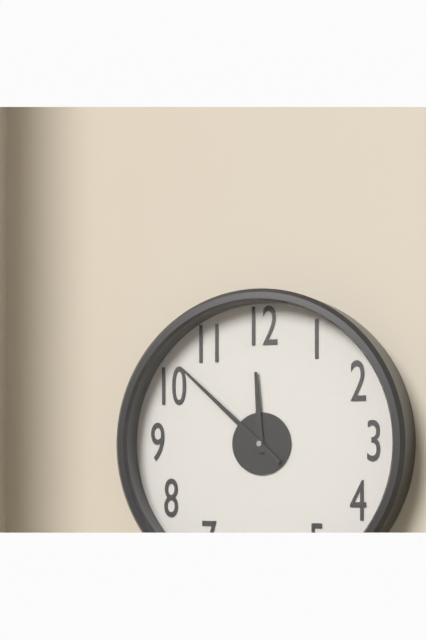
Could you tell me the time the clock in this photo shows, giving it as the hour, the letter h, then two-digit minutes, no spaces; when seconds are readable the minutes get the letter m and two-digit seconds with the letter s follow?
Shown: 11h52
